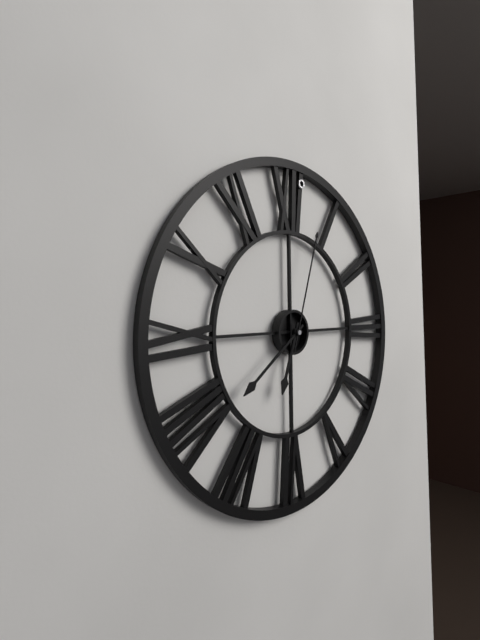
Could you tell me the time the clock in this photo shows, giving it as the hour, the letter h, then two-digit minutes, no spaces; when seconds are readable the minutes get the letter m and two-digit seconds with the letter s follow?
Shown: 6h39m03s
